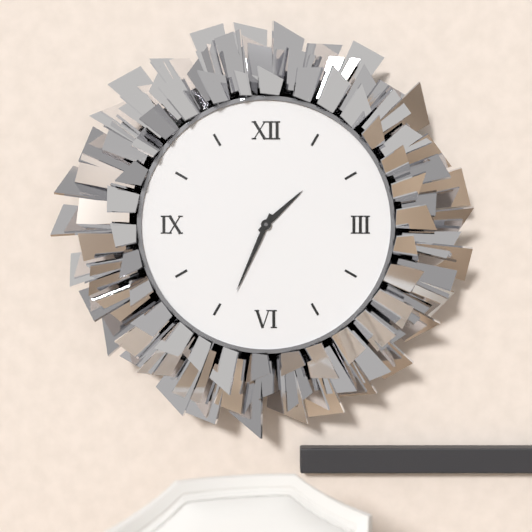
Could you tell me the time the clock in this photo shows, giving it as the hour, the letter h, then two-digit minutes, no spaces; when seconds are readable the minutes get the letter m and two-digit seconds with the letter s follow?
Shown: 1h34
